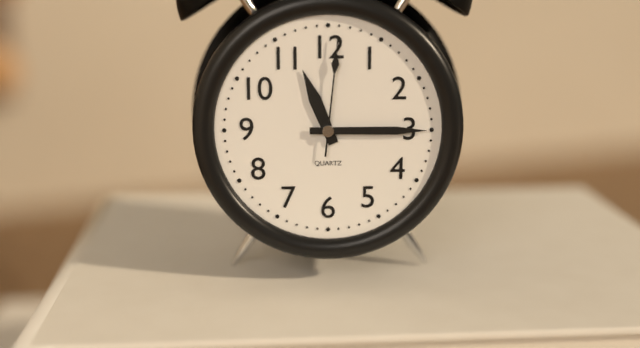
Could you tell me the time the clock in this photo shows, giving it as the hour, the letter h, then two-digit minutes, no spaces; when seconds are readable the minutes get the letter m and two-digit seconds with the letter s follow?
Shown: 11h15m01s
